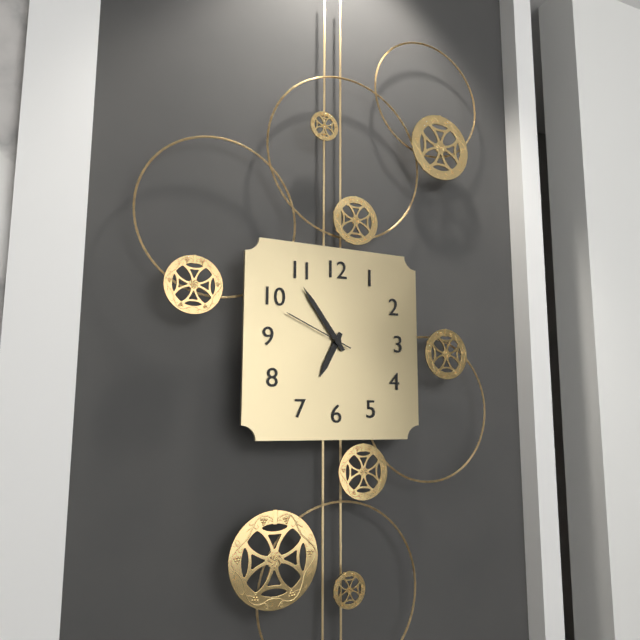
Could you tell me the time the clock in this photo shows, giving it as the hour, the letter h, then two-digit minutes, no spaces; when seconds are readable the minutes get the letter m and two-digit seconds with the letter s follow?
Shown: 6h54m49s
